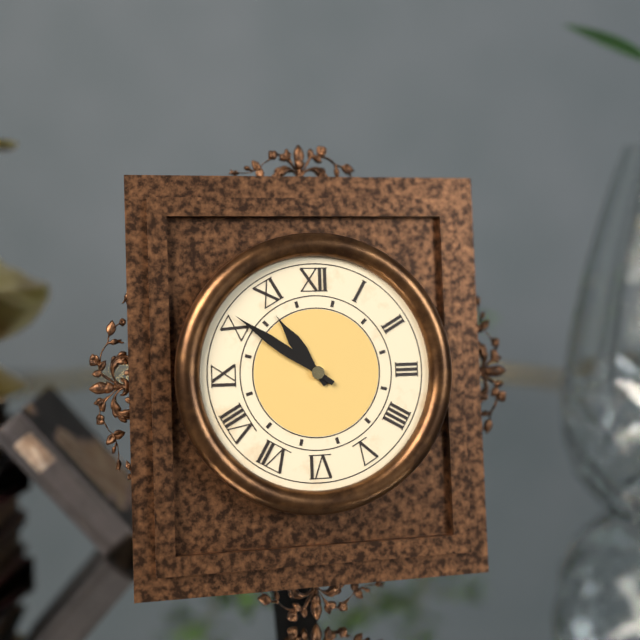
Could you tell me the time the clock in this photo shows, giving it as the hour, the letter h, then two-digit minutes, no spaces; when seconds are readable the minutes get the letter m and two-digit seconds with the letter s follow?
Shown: 10h51
